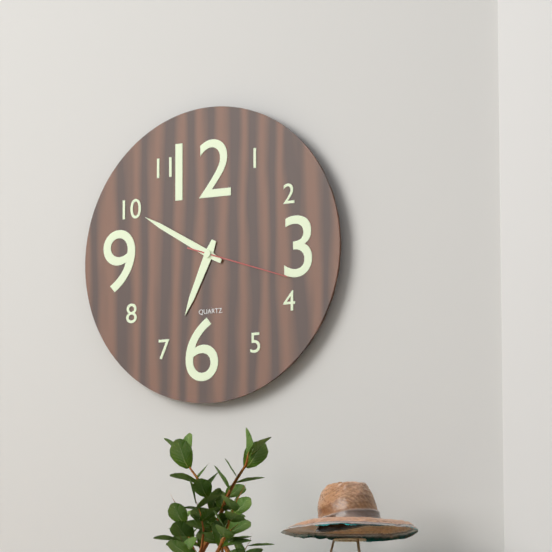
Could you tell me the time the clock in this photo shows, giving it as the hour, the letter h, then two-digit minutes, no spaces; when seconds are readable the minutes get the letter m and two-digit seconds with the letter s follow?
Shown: 6h50m18s
